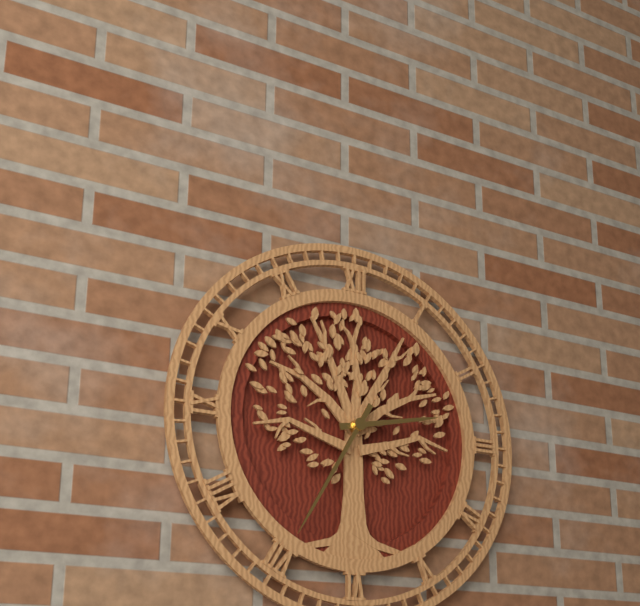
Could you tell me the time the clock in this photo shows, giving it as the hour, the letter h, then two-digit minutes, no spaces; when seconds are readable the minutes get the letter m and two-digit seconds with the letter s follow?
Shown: 2h35
